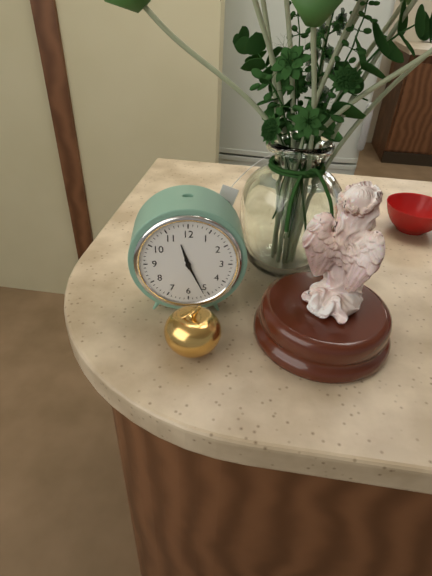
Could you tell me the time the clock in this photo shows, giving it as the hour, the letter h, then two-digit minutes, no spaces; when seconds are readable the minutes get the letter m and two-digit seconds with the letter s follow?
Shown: 11h26
